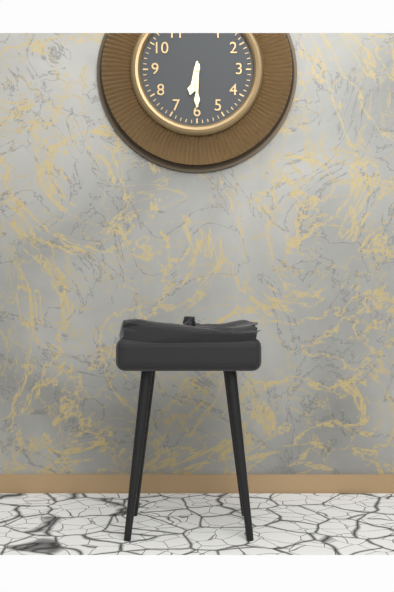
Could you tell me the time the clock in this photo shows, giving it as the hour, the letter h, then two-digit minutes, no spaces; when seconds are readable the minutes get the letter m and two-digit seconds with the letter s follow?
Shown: 6h30
